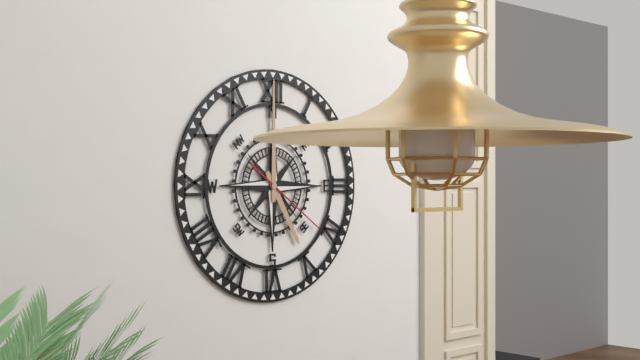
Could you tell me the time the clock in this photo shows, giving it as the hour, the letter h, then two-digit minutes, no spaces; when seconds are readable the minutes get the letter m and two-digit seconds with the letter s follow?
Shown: 5h00m21s
